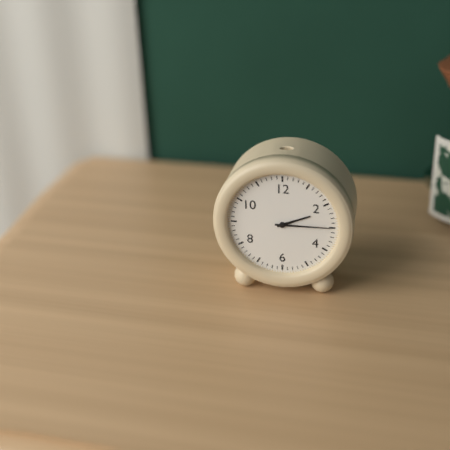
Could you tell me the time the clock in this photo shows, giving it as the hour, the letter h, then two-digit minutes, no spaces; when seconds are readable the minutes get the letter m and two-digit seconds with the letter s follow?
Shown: 2h15
